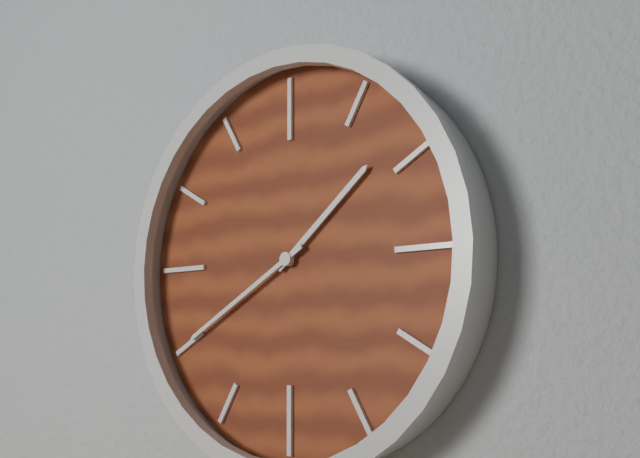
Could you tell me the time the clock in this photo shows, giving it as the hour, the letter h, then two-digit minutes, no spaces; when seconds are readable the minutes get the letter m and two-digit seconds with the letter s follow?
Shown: 1h40
